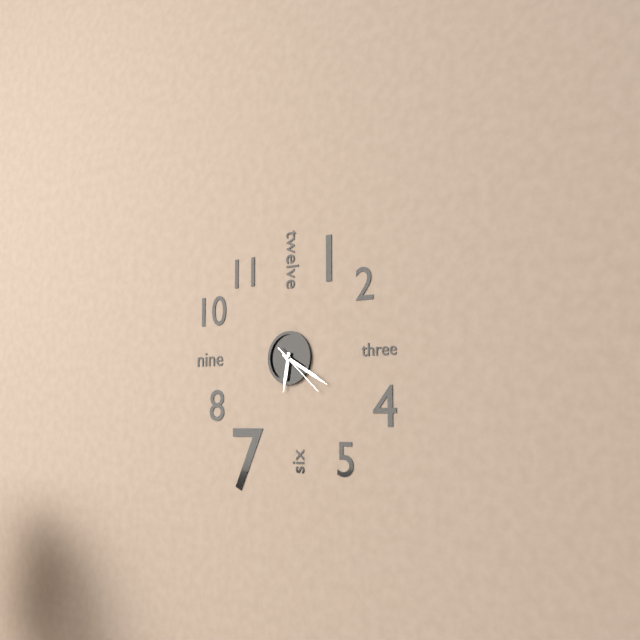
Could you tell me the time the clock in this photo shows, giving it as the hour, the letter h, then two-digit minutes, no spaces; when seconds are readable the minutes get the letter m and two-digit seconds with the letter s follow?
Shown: 6h20m22s
